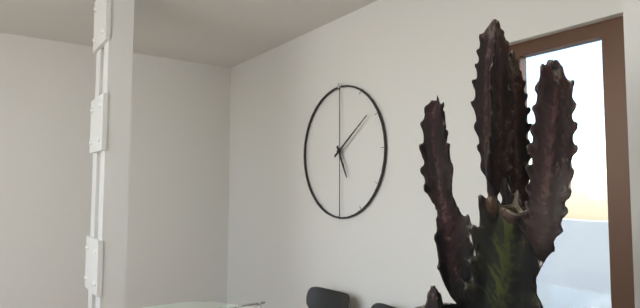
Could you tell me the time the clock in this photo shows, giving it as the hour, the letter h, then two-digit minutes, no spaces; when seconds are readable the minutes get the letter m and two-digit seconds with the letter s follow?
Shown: 5h09
